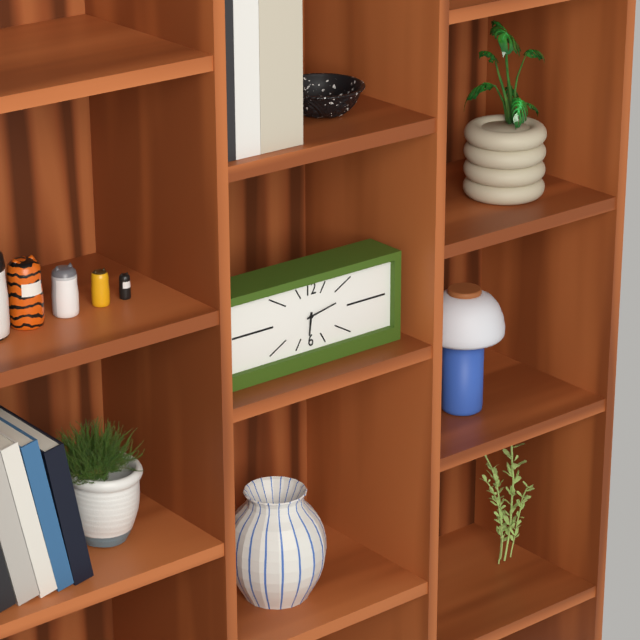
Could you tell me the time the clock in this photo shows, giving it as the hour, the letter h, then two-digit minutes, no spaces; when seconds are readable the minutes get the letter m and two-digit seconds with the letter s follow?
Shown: 6h13
